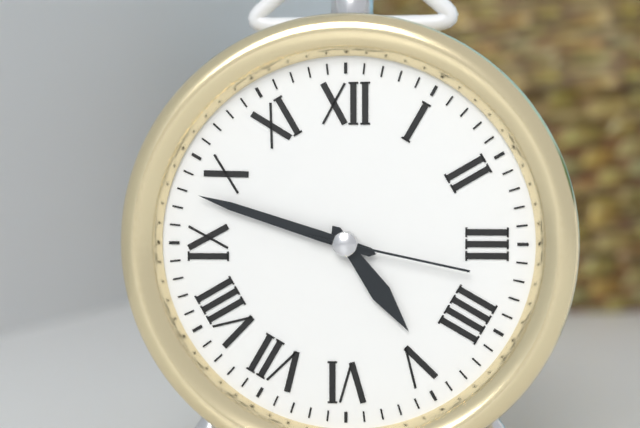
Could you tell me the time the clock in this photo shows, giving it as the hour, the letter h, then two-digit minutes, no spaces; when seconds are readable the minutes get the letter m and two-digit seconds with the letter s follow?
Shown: 4h48m17s
